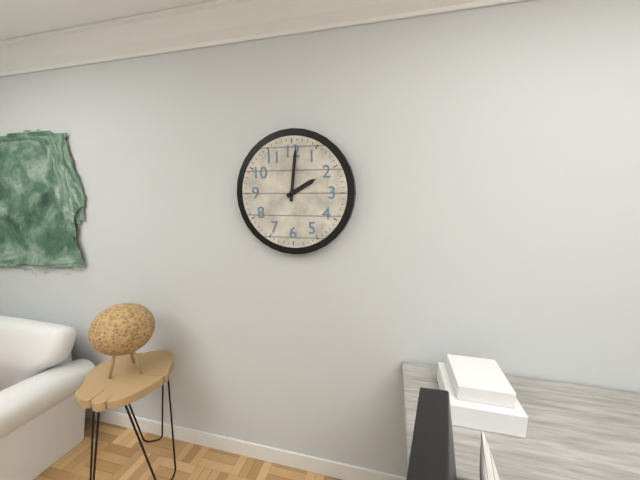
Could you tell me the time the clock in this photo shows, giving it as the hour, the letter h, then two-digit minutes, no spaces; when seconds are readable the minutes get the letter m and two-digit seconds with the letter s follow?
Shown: 2h01
